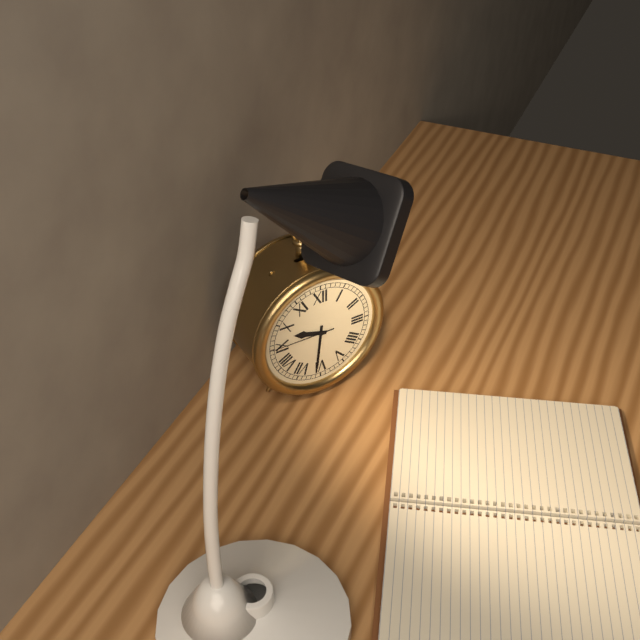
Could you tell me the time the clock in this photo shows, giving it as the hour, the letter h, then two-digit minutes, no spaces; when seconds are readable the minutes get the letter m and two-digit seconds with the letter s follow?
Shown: 9h31m45s
